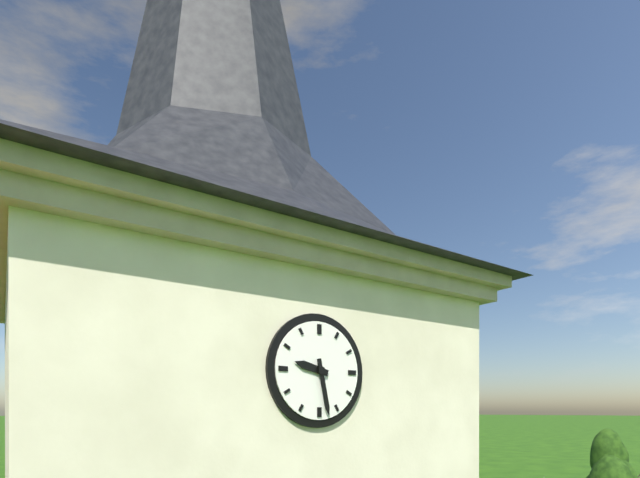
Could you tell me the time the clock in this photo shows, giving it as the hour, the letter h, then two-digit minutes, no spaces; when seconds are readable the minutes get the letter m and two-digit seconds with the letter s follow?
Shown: 9h28
